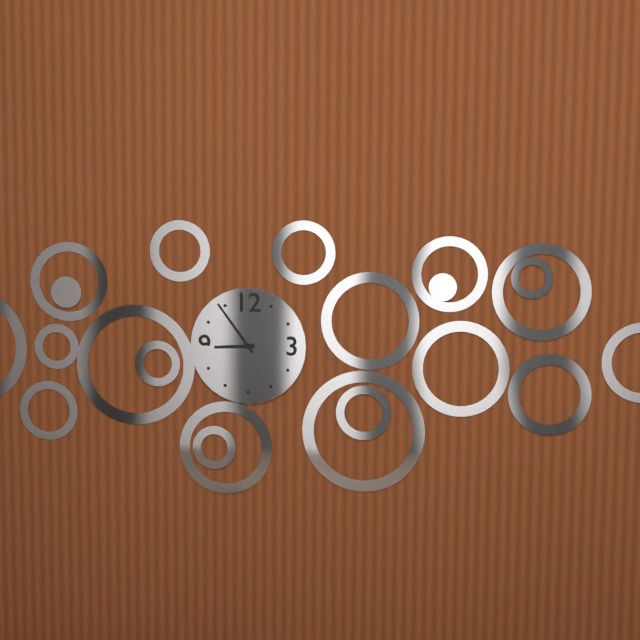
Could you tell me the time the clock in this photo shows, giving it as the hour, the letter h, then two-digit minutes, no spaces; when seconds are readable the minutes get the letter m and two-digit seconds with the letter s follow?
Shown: 8h54
